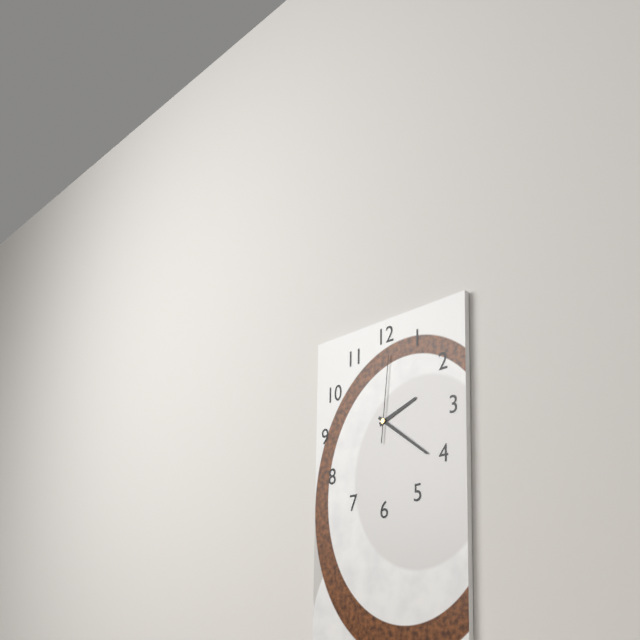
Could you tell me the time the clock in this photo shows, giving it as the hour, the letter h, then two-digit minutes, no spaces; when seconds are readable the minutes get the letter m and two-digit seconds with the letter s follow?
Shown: 2h21m01s
